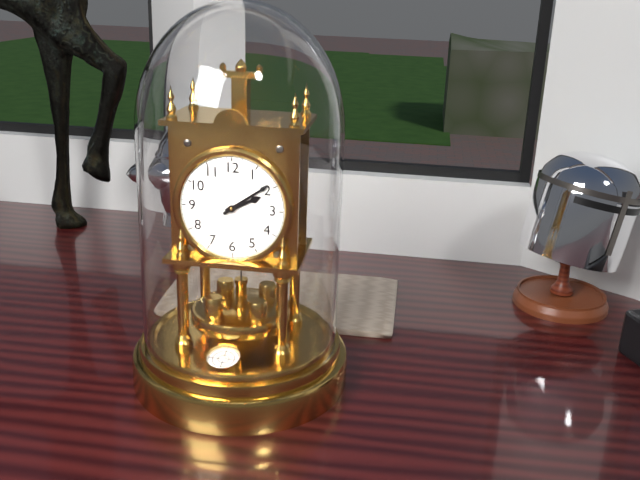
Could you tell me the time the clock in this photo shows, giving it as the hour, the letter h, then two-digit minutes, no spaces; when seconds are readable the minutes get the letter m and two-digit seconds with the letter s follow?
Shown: 2h09
